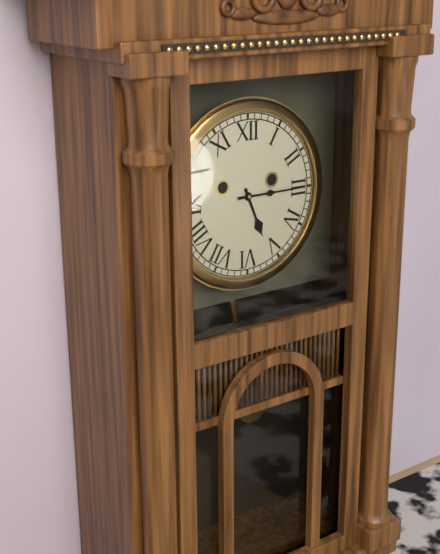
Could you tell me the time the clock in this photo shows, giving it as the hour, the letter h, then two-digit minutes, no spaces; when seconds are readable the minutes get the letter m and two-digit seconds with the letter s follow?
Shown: 5h15
